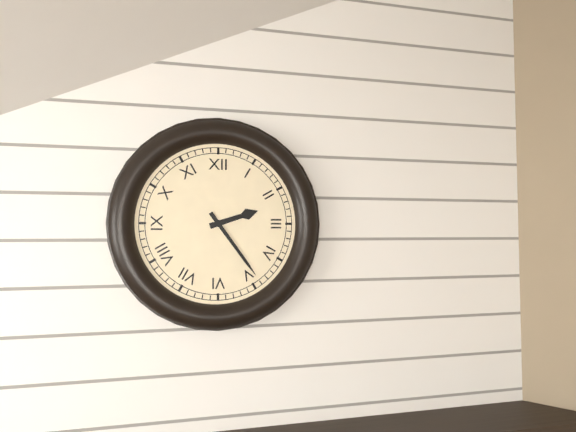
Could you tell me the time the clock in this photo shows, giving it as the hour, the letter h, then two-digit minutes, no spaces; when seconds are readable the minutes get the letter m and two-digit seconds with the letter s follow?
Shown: 2h24
